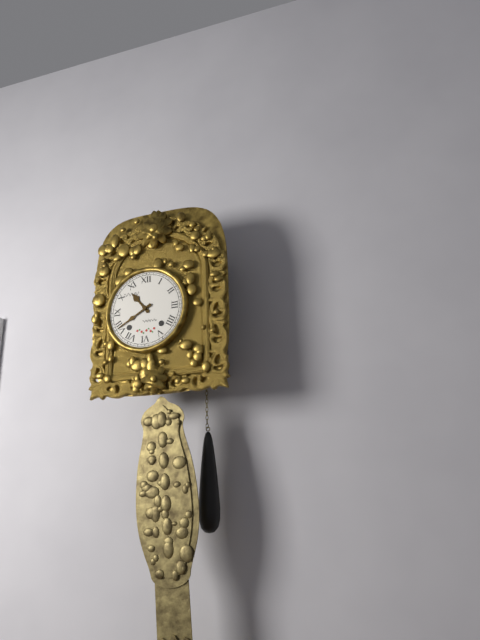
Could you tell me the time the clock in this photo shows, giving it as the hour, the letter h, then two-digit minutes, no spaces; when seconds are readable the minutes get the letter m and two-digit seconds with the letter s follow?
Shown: 10h40
